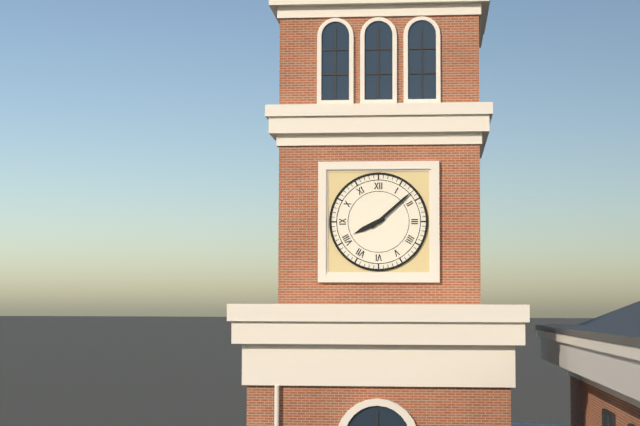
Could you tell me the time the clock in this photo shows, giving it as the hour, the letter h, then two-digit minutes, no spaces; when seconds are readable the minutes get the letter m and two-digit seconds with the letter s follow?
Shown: 8h08
